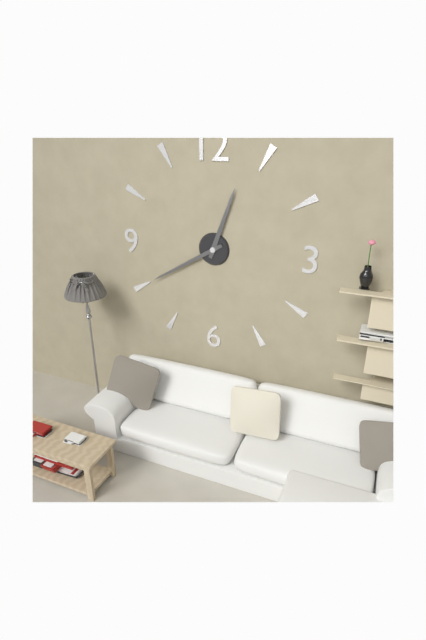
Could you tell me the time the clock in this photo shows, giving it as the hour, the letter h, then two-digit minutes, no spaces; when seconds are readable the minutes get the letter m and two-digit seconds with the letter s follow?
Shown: 12h40
